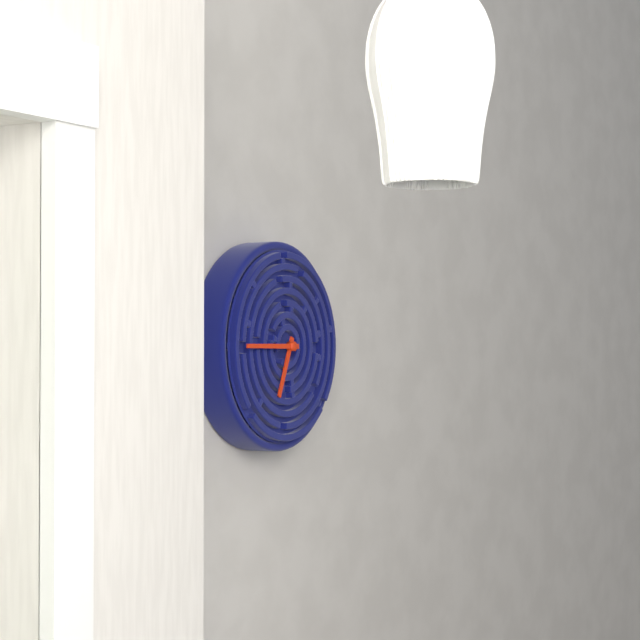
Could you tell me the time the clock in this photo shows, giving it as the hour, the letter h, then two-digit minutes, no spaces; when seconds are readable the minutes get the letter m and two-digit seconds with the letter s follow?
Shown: 6h45
